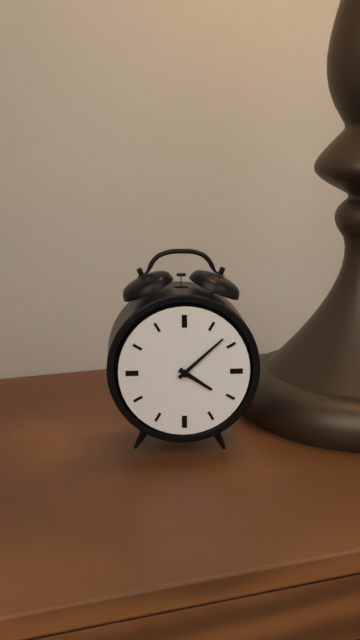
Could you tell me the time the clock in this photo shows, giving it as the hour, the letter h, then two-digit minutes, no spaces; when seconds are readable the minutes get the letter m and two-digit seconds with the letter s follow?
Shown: 4h08
